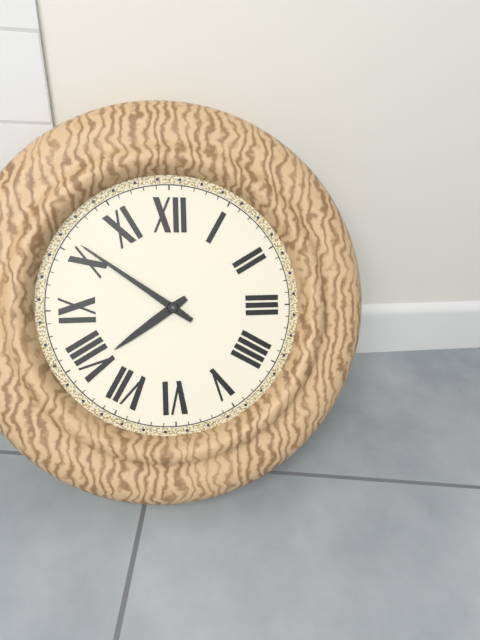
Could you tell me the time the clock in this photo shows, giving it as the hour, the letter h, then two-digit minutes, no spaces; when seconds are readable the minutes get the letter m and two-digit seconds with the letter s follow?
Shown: 7h51
